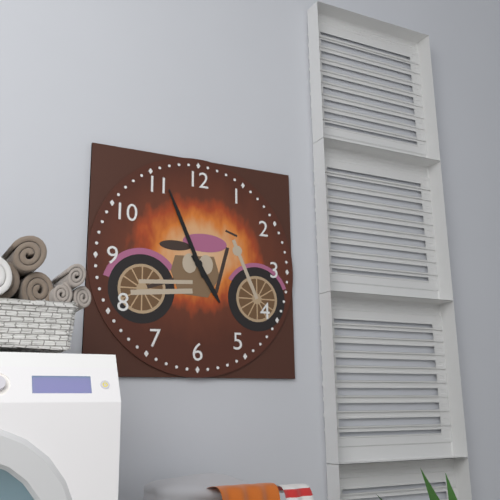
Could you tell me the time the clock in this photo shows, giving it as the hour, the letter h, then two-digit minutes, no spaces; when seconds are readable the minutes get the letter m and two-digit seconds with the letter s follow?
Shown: 4h56
